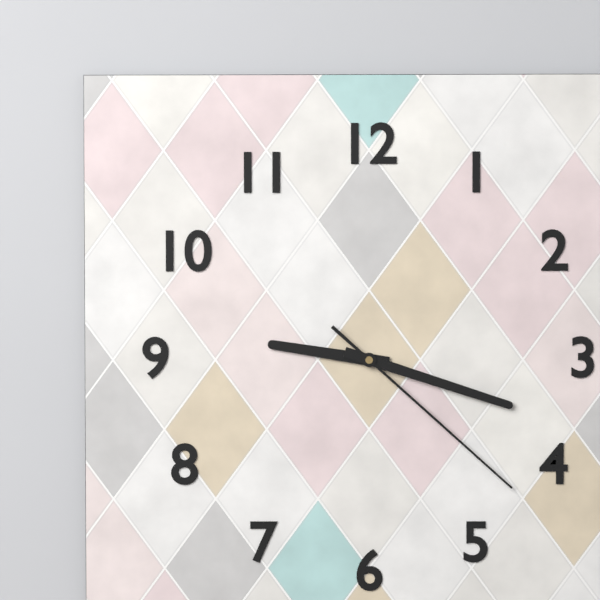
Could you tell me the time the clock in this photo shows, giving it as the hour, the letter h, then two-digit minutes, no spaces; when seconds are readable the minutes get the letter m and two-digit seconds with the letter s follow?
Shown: 9h18m22s
